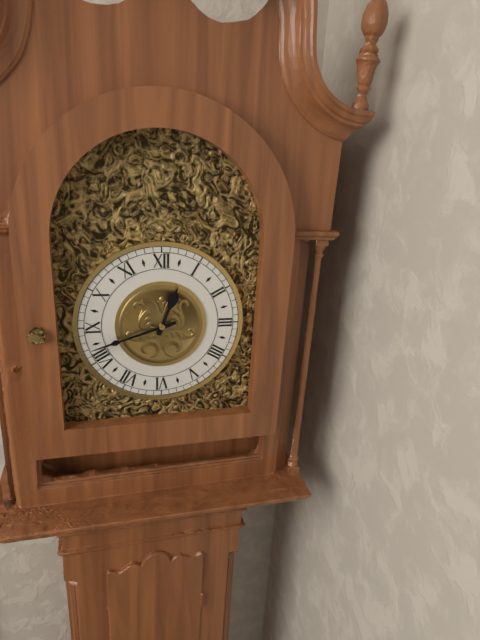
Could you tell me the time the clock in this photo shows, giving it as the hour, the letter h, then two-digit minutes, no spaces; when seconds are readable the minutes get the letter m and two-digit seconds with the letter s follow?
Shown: 12h42
